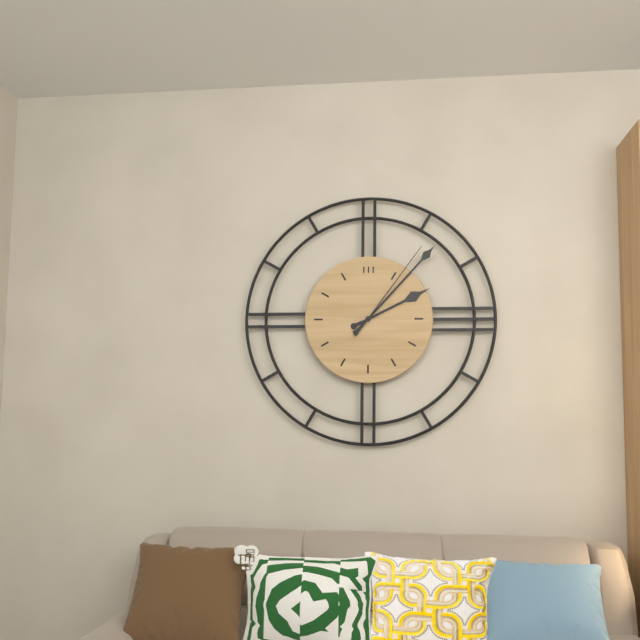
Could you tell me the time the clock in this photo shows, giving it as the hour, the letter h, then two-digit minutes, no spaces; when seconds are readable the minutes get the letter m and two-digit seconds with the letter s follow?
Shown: 2h07m06s
